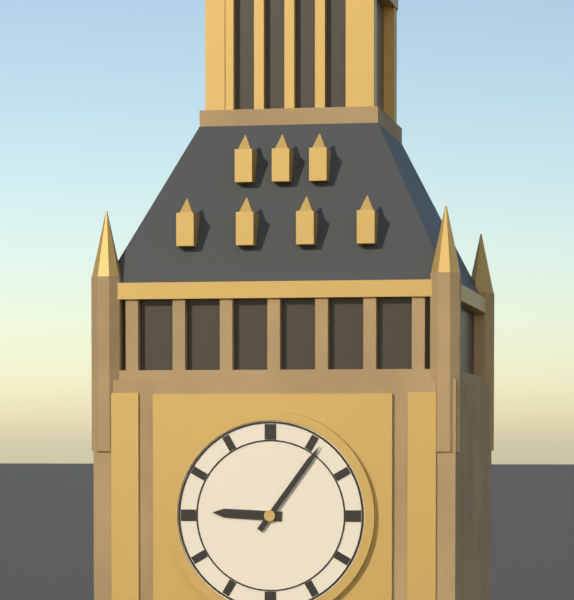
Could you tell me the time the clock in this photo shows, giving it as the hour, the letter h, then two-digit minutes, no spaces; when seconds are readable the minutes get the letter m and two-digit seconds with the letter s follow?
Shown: 9h06
